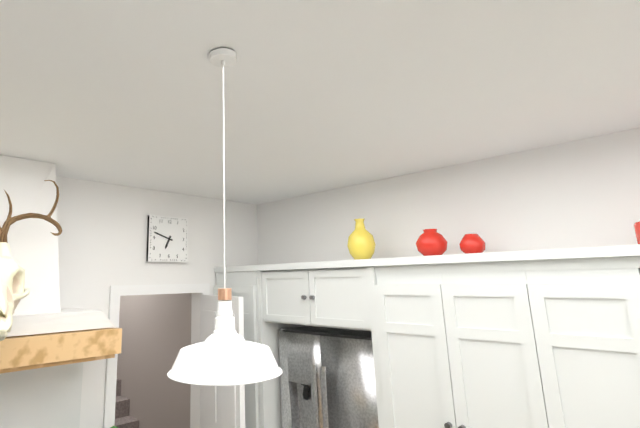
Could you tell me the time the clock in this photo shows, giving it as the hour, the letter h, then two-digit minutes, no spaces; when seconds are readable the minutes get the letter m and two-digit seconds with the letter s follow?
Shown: 6h48
